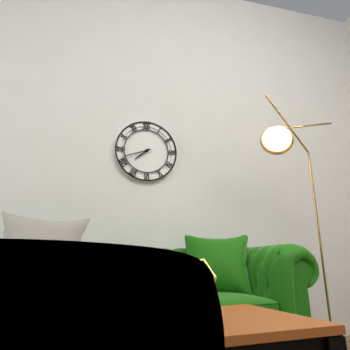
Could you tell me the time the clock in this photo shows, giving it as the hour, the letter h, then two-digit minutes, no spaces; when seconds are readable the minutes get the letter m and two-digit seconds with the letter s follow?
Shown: 7h42
